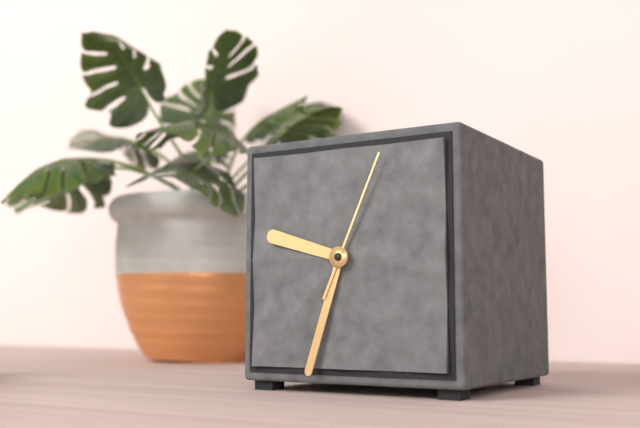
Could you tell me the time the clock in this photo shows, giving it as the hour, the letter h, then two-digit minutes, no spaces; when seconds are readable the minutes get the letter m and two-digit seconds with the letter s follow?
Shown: 9h33m04s
